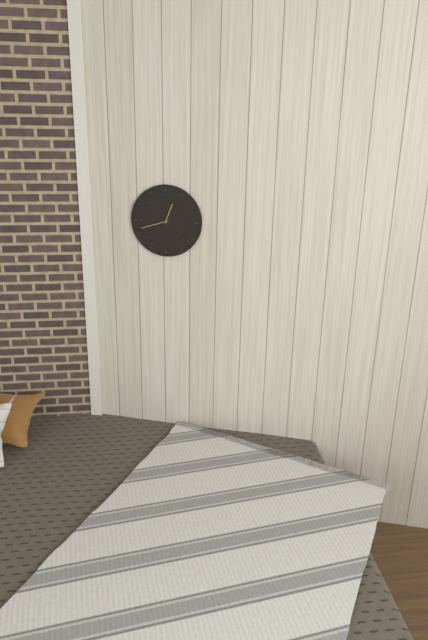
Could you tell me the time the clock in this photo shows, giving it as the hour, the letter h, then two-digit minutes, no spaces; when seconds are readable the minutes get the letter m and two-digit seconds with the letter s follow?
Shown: 12h42
